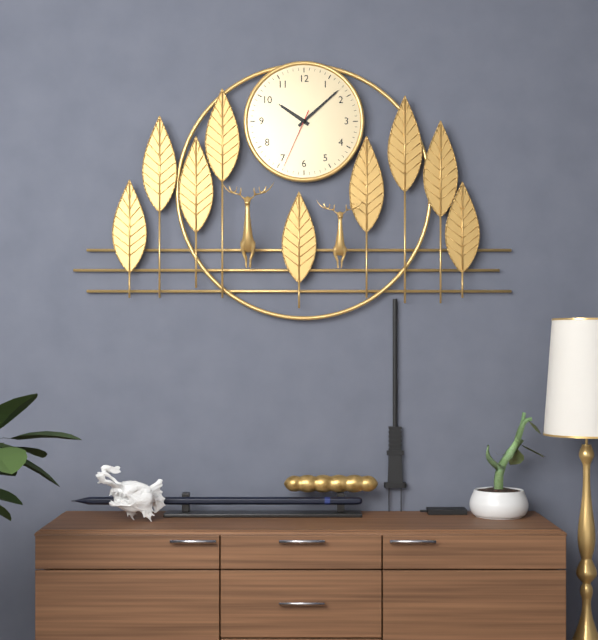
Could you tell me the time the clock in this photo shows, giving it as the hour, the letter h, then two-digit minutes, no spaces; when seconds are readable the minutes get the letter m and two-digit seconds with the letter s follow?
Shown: 10h08m34s
